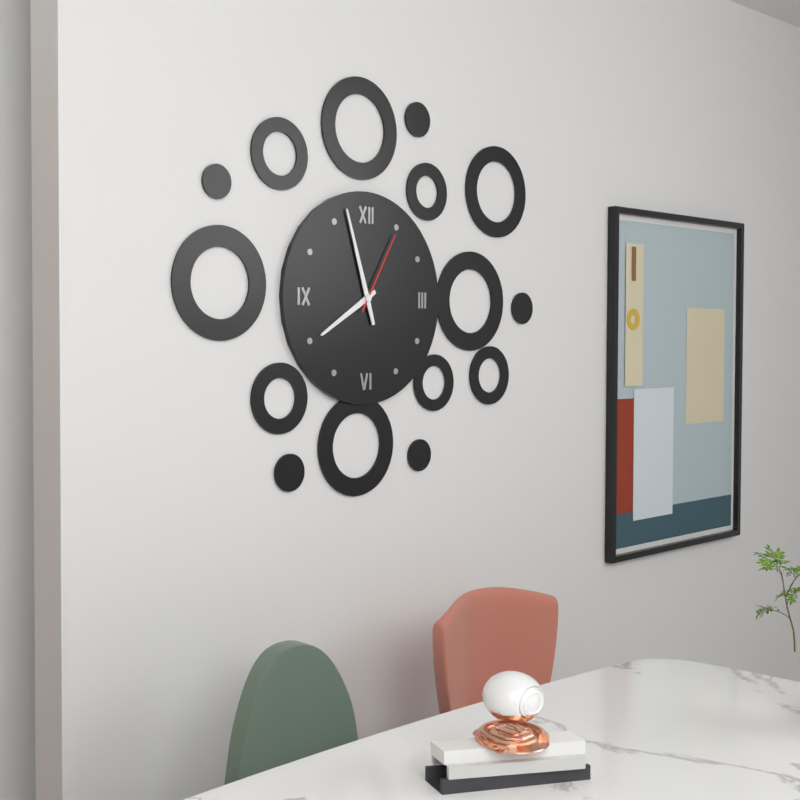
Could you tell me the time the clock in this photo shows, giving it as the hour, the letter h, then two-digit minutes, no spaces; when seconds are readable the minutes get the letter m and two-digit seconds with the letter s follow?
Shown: 7h57m05s
